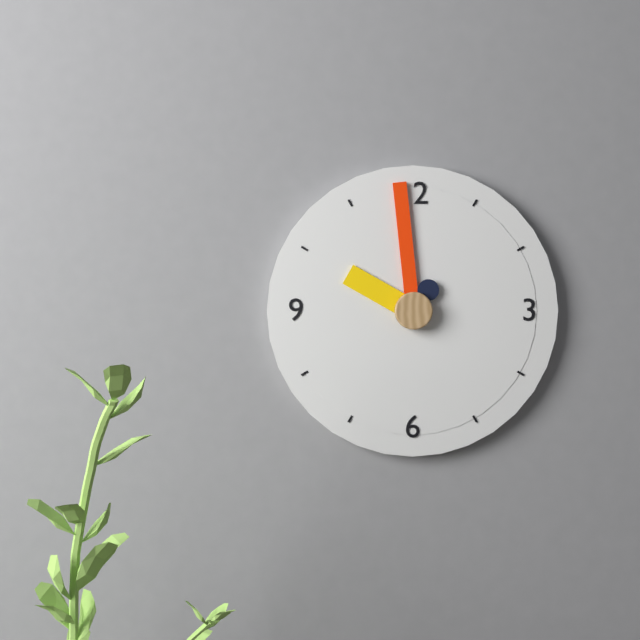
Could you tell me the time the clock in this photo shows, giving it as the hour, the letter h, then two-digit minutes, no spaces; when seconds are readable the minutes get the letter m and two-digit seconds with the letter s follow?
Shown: 9h59
